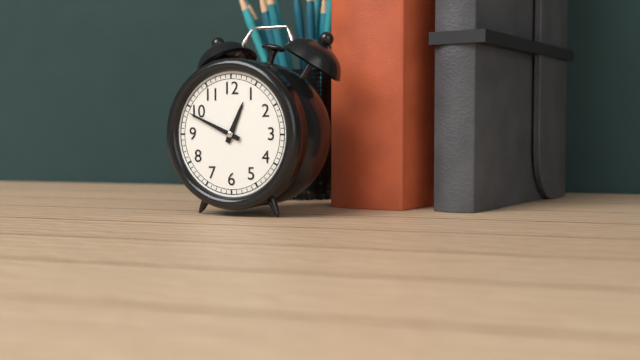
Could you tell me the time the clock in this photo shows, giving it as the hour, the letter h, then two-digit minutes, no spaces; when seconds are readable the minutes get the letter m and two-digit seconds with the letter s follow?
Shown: 12h49
